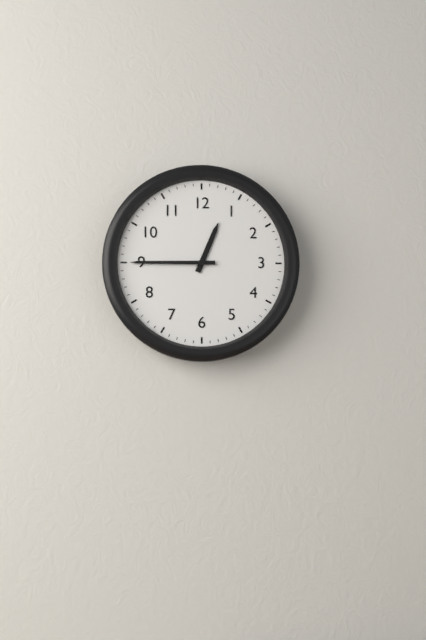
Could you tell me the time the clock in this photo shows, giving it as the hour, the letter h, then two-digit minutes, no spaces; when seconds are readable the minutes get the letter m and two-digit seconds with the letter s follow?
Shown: 12h45
